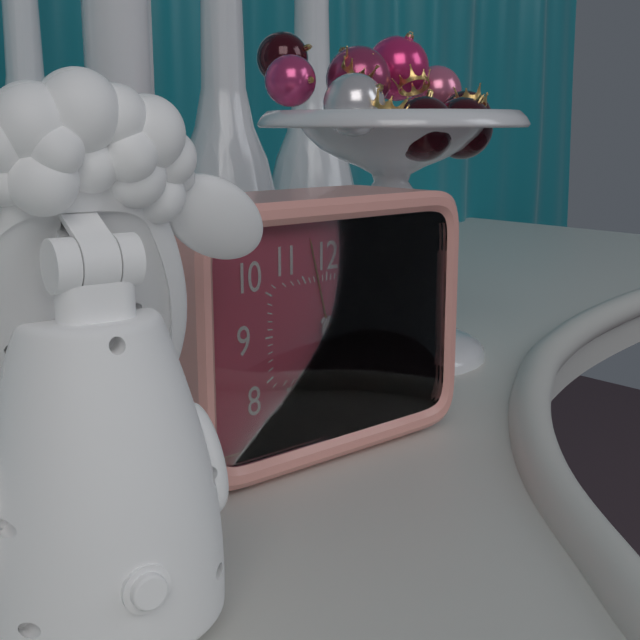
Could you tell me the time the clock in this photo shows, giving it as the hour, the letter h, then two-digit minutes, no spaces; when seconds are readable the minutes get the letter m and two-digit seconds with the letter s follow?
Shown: 6h22
